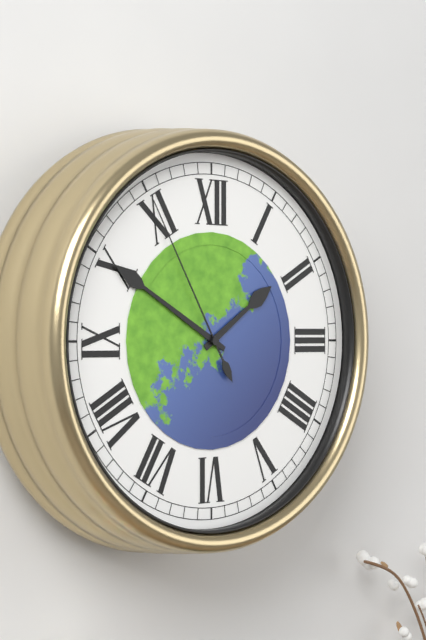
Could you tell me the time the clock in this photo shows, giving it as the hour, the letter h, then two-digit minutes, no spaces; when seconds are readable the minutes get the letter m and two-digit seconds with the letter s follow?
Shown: 1h50m55s
